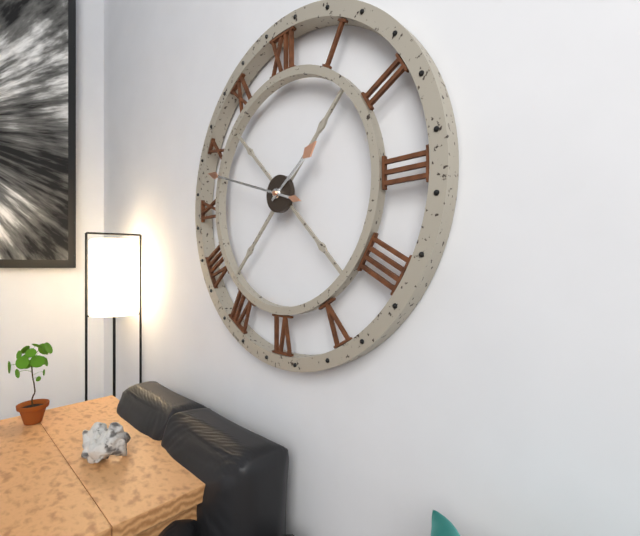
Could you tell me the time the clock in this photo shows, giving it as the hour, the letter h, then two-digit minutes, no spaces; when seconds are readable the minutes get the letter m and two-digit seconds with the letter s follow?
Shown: 1h48
